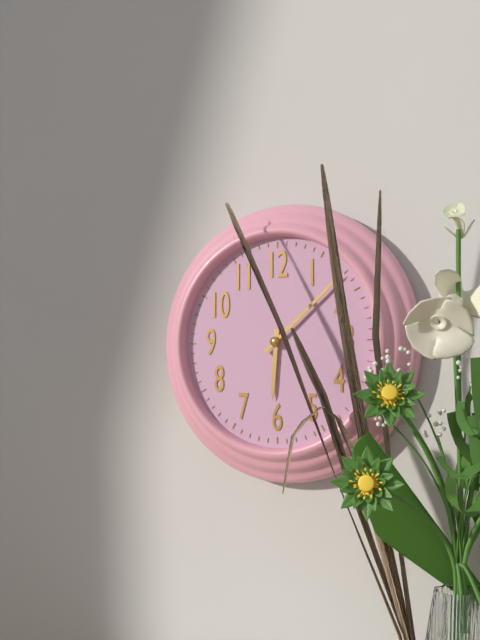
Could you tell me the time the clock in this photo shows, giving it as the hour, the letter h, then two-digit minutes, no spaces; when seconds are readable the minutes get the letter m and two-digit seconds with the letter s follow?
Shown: 6h08
